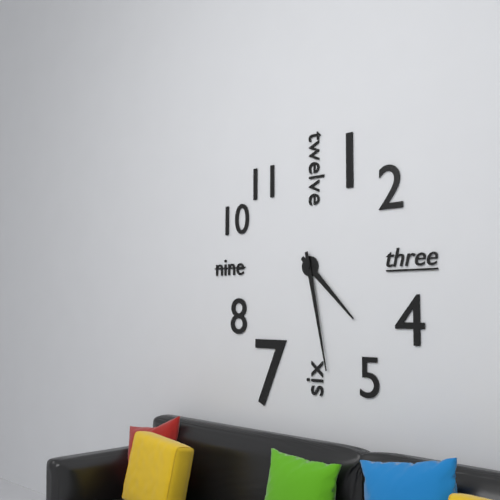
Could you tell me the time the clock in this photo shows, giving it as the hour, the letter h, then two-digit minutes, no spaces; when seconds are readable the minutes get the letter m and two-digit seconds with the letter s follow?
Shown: 4h28
